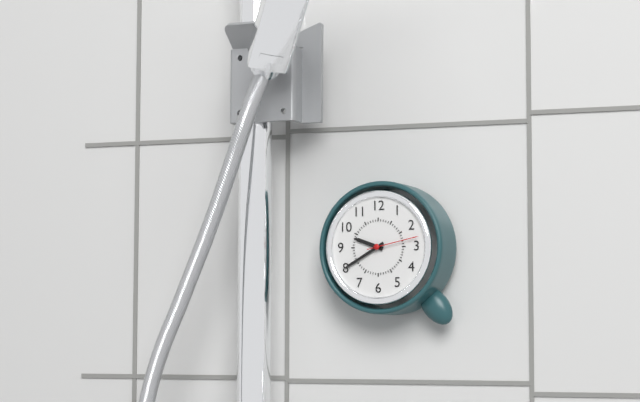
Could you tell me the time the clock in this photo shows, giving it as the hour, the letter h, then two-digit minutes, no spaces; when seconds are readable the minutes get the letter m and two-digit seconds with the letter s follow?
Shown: 9h40m13s
